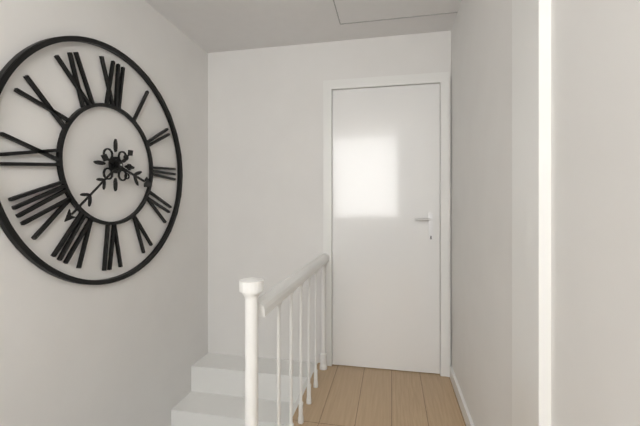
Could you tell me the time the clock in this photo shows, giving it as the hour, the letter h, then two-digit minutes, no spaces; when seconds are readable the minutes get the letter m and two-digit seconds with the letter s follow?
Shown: 3h38
